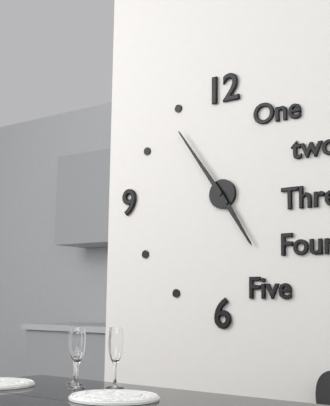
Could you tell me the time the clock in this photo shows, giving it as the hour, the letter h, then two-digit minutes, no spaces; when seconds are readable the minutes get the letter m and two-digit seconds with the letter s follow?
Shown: 4h54
